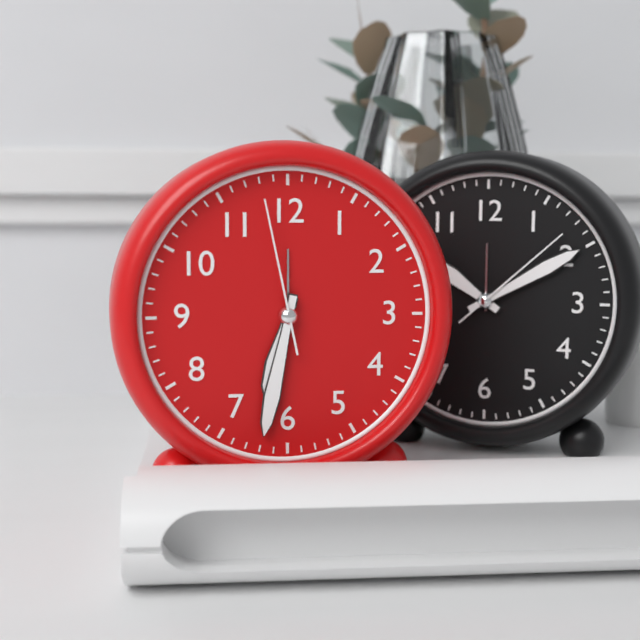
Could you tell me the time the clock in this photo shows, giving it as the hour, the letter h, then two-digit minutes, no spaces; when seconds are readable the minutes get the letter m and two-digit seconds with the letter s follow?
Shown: 6h32m58s
